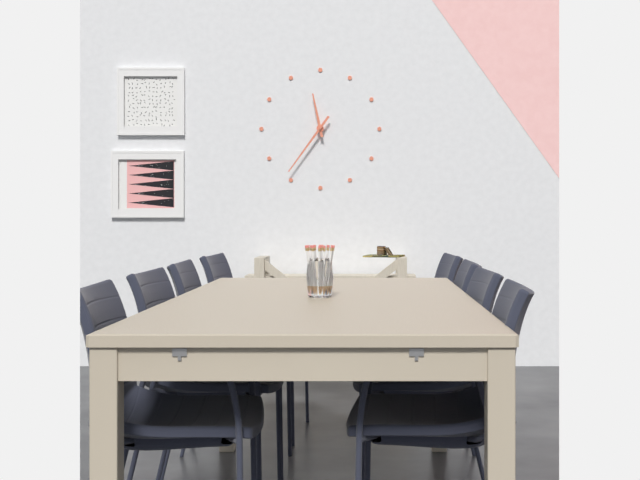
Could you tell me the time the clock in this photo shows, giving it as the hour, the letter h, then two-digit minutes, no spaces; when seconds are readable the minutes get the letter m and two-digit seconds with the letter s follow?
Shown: 11h36
